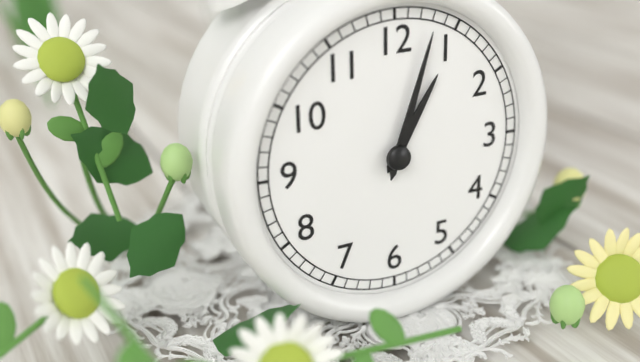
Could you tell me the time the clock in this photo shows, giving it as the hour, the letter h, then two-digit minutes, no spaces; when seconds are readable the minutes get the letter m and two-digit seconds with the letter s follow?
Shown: 1h03
